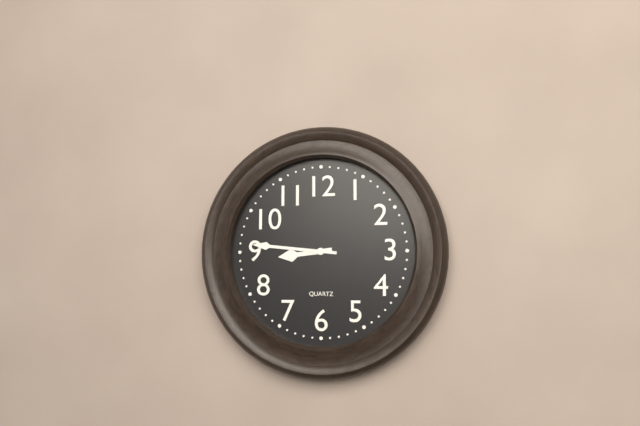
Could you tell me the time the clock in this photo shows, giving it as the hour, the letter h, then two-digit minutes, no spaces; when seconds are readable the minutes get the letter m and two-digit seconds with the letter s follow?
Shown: 8h46
